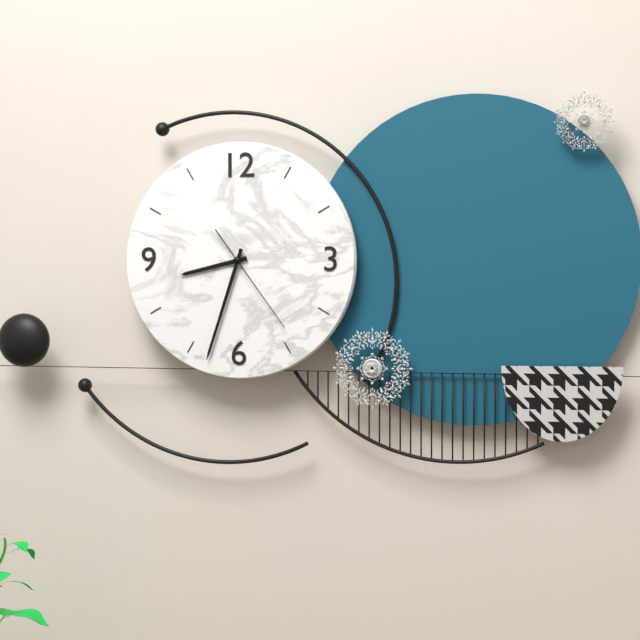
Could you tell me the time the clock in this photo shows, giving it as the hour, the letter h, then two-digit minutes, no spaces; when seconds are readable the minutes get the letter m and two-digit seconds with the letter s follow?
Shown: 8h33m24s
